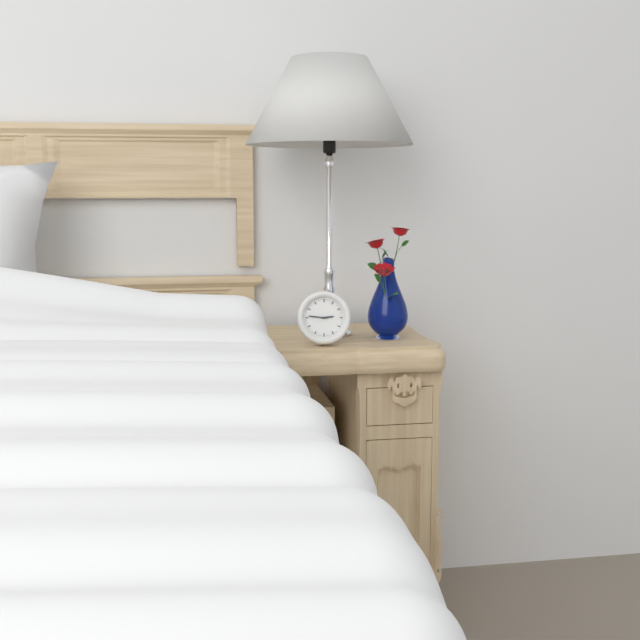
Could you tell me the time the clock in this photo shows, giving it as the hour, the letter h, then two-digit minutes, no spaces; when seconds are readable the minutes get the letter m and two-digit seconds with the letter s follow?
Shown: 2h46
